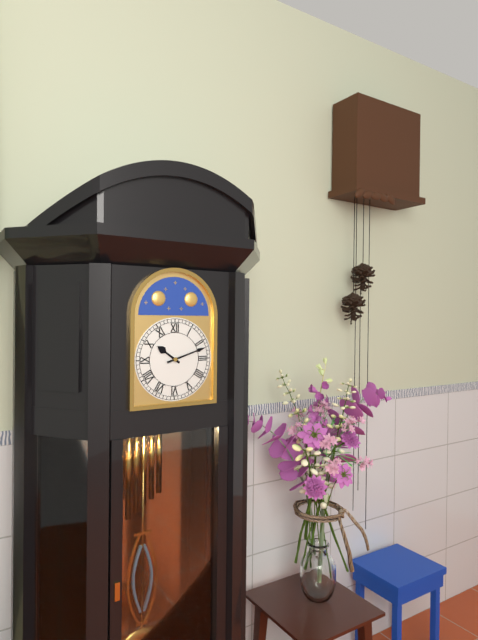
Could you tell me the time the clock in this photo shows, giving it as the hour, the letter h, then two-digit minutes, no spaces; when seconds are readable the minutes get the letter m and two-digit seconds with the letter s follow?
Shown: 10h12
